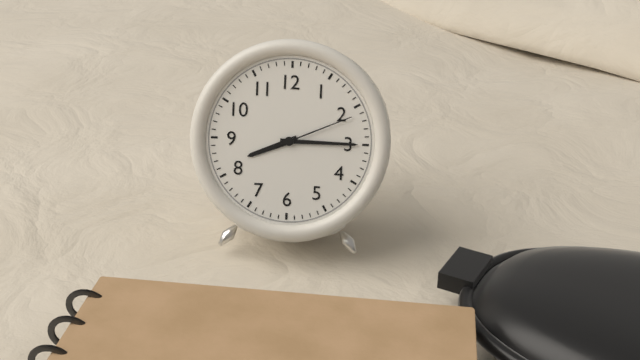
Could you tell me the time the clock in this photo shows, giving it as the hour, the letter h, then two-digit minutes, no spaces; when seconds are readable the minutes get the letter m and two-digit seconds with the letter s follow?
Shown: 8h15m11s
